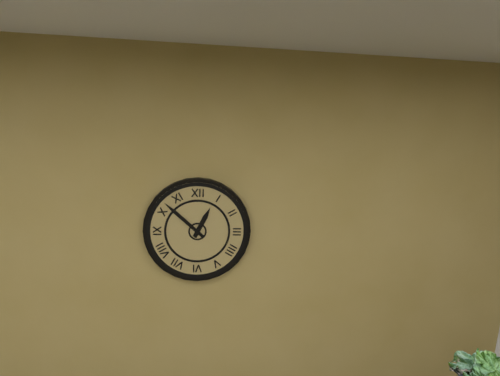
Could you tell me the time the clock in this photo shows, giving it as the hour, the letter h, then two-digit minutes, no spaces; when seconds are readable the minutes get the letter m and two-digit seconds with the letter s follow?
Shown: 12h52
